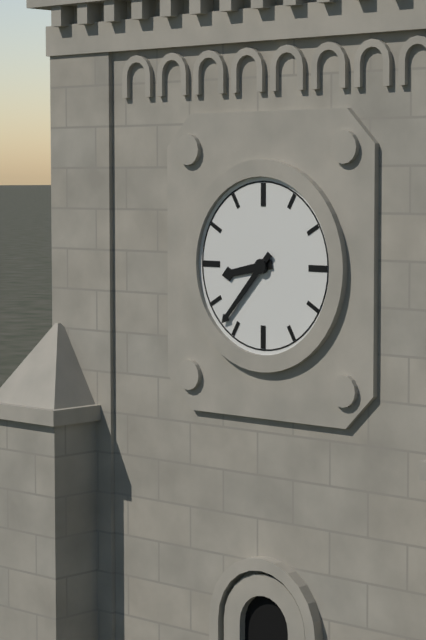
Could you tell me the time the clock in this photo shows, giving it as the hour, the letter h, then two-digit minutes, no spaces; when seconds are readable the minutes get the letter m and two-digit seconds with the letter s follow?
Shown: 8h37
